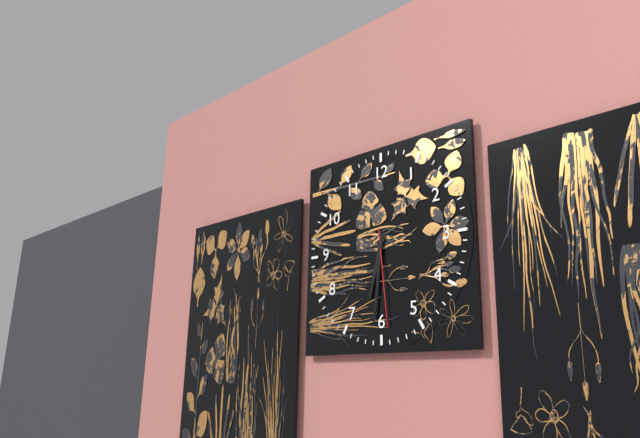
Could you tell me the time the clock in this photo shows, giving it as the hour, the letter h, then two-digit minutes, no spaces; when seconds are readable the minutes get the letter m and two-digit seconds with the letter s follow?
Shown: 6h31m29s
